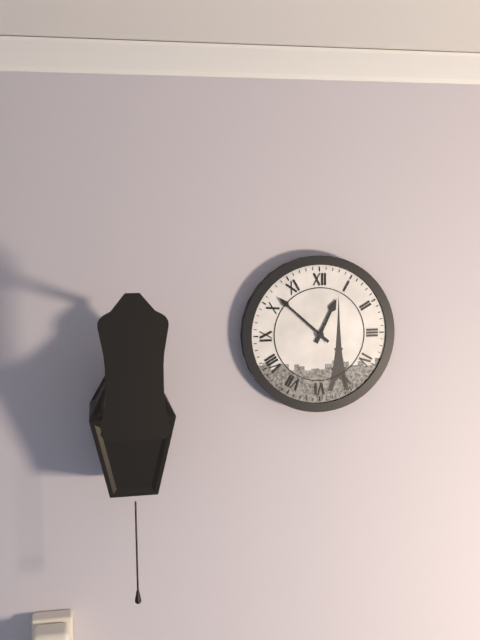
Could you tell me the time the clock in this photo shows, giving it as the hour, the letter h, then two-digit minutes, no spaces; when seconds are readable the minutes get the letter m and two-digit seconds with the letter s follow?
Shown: 12h52
